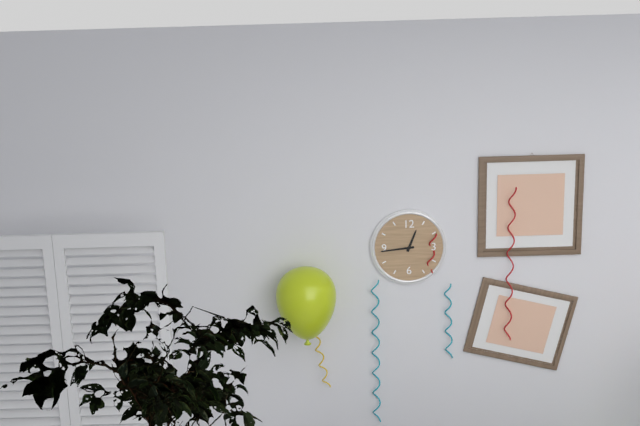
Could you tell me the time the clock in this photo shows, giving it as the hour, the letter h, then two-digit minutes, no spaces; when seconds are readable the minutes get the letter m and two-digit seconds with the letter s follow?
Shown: 12h44
